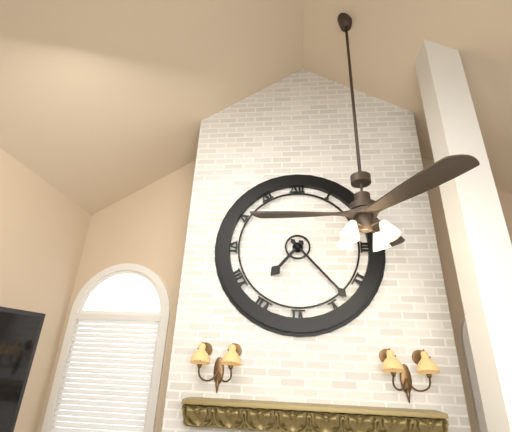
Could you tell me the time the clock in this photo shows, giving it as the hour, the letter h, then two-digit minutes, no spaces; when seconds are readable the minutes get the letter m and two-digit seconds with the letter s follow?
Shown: 7h23
